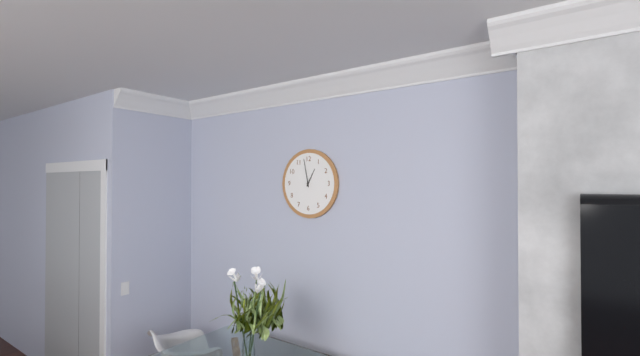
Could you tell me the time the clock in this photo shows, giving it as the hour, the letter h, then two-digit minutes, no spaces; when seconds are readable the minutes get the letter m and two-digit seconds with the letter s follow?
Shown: 12h58
